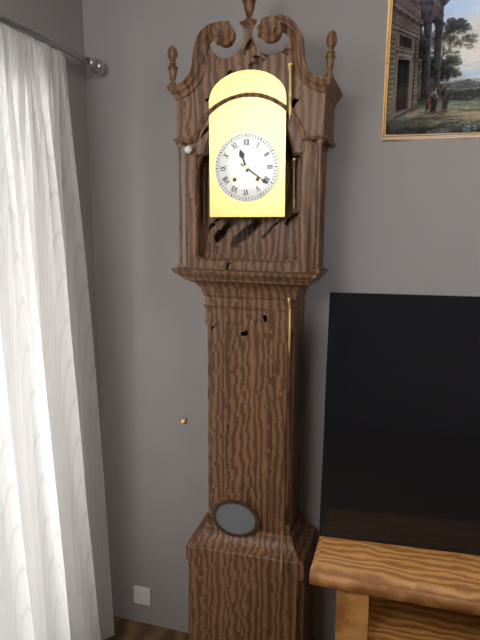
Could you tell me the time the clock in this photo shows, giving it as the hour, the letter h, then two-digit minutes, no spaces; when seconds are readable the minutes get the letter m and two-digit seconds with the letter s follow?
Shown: 11h21
